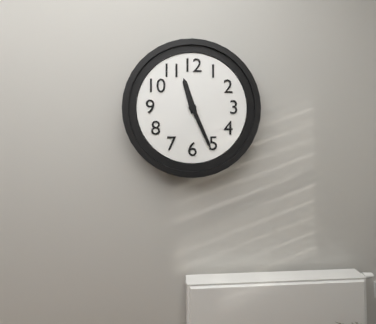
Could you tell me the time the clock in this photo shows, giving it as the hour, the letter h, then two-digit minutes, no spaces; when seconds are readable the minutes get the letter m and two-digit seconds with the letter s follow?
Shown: 11h26
